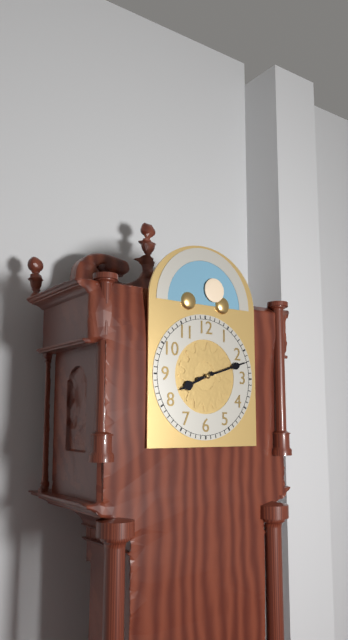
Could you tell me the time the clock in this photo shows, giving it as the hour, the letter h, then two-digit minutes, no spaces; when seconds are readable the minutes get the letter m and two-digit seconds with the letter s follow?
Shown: 8h12
